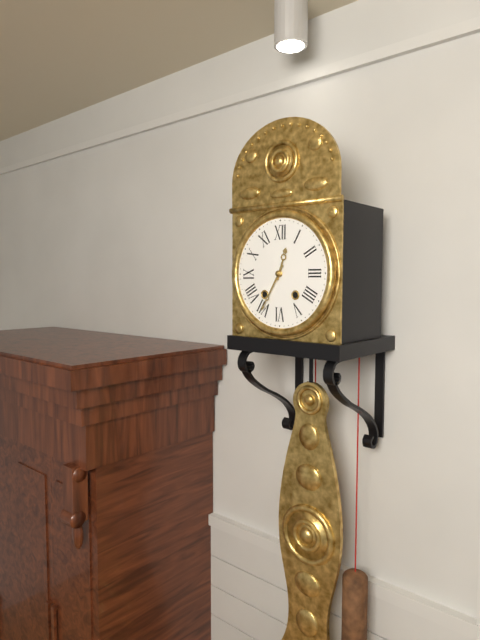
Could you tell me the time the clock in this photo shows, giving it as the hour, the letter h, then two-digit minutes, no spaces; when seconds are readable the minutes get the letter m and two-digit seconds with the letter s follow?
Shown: 12h35
